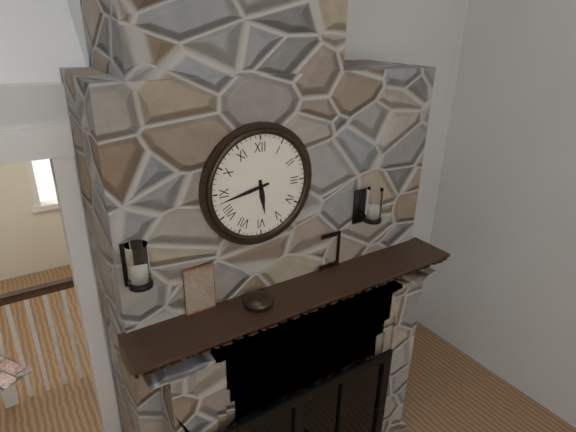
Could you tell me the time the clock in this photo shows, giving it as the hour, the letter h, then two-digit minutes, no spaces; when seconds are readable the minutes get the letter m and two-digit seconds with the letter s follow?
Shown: 5h43
